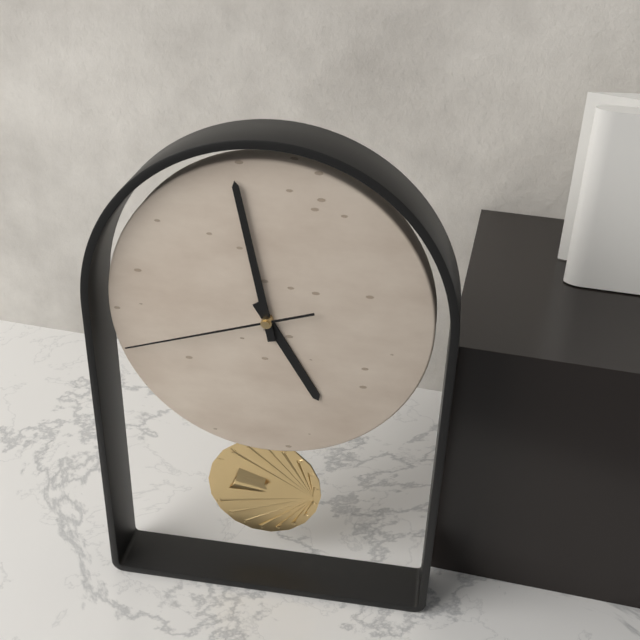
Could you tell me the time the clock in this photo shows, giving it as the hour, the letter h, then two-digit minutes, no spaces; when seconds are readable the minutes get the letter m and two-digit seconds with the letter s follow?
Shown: 4h58m42s
